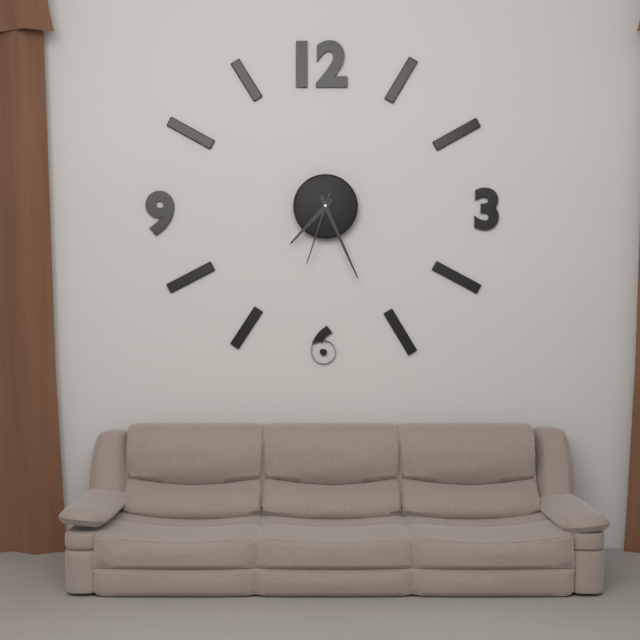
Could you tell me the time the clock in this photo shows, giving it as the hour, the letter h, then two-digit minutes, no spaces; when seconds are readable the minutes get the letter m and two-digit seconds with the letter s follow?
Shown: 7h26m33s
